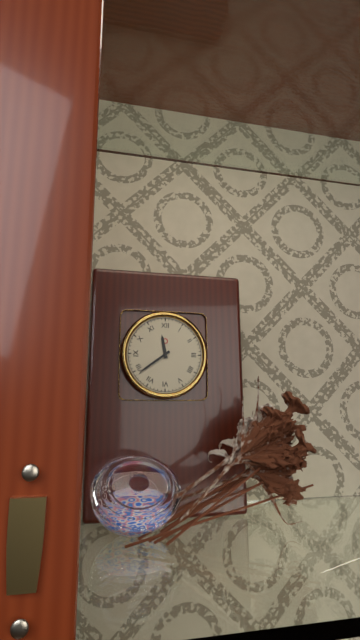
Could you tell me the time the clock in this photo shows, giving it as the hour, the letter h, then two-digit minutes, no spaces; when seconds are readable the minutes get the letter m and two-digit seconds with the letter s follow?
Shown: 11h39
